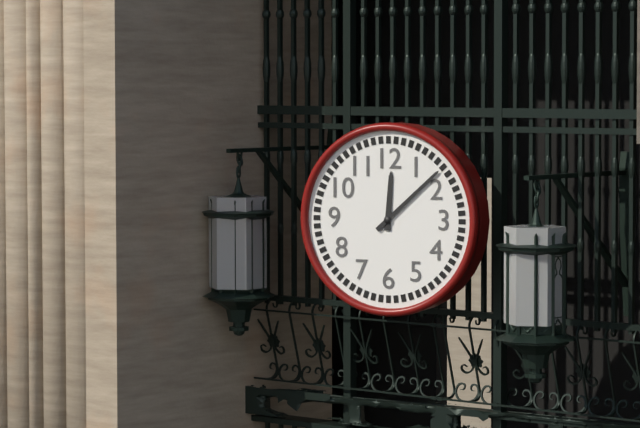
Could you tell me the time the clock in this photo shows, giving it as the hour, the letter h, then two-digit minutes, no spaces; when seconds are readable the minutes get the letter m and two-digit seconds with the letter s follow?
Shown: 12h08
